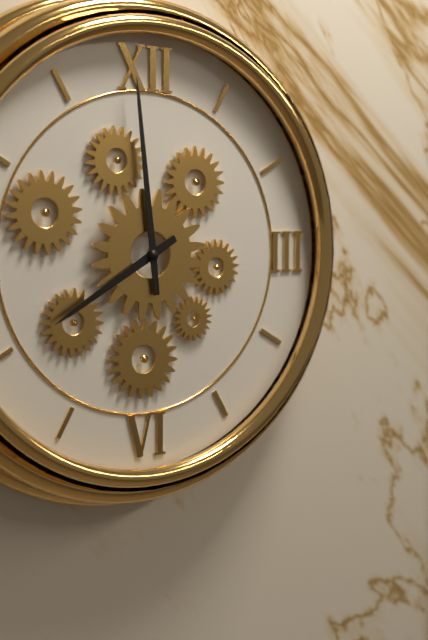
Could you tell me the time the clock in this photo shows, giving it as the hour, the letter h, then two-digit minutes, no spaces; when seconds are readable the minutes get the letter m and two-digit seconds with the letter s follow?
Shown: 7h59
